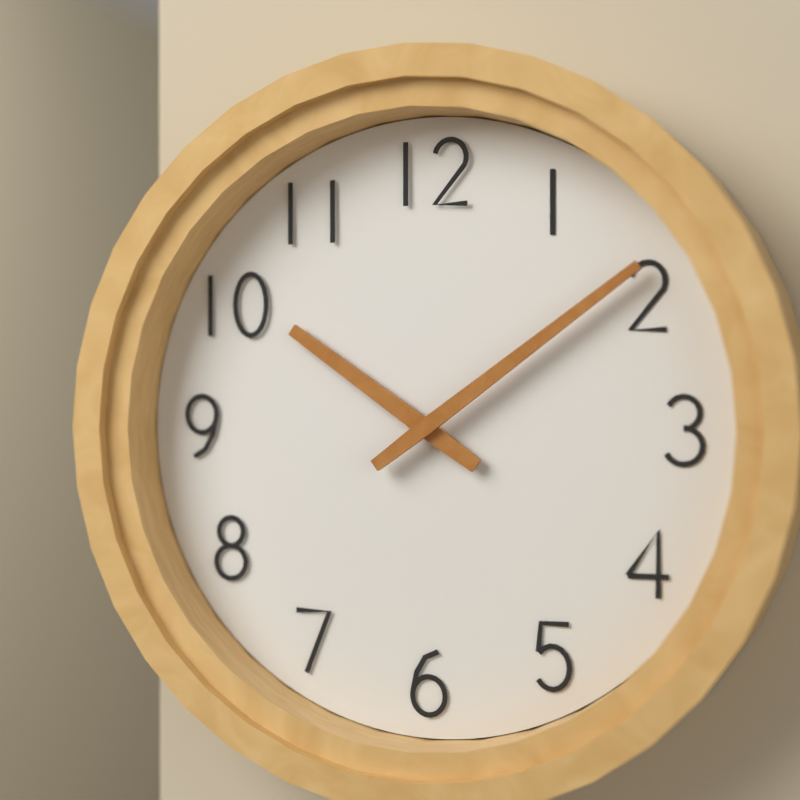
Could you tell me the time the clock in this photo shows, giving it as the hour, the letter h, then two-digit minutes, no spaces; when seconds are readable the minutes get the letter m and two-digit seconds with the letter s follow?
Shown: 10h09
